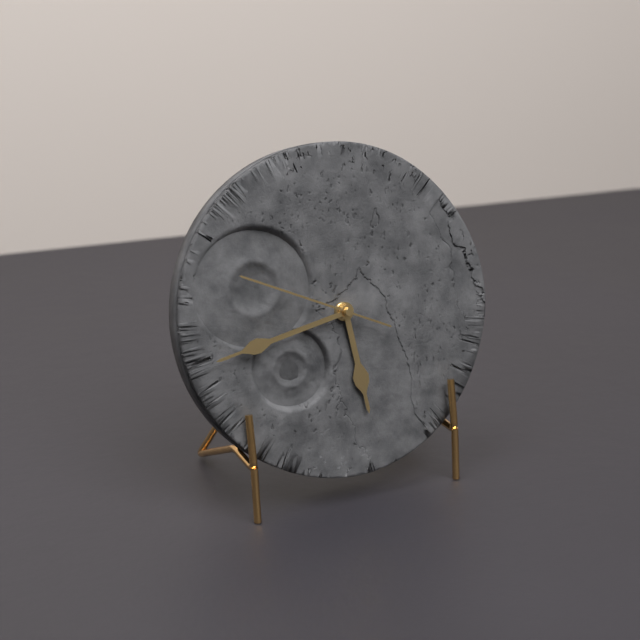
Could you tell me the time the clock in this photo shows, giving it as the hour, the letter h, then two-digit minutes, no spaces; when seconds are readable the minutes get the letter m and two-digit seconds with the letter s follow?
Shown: 5h43m49s
